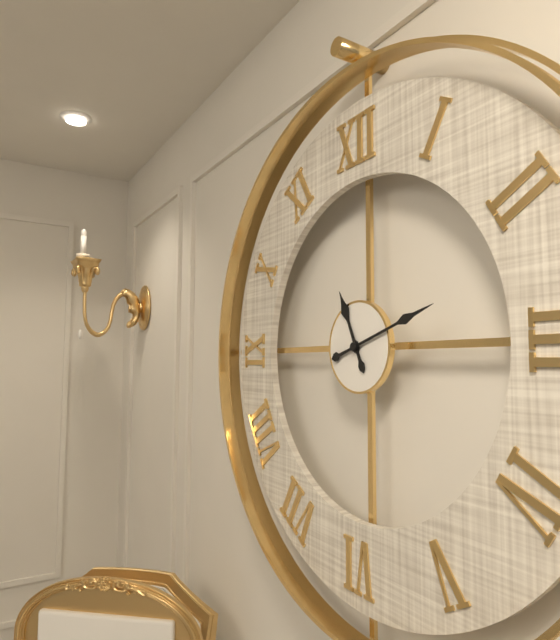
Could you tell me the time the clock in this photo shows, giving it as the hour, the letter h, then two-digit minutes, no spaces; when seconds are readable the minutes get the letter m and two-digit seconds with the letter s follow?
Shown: 11h12
